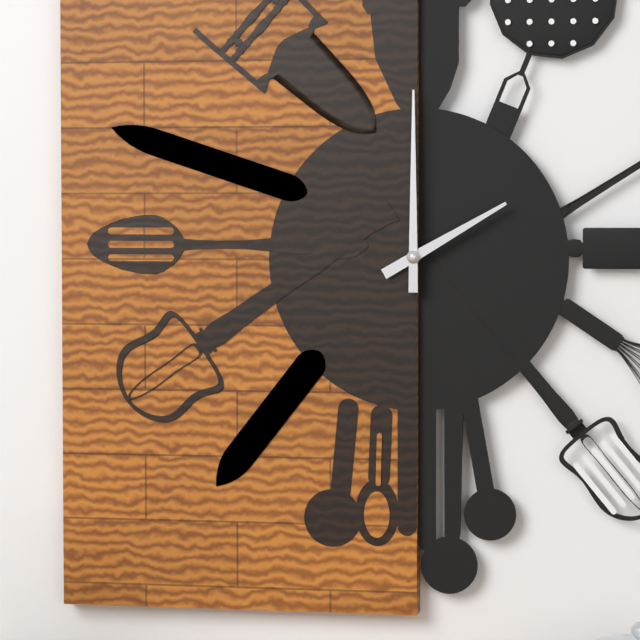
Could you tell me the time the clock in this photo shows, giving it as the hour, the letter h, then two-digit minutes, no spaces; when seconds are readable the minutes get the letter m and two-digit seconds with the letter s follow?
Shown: 2h00
